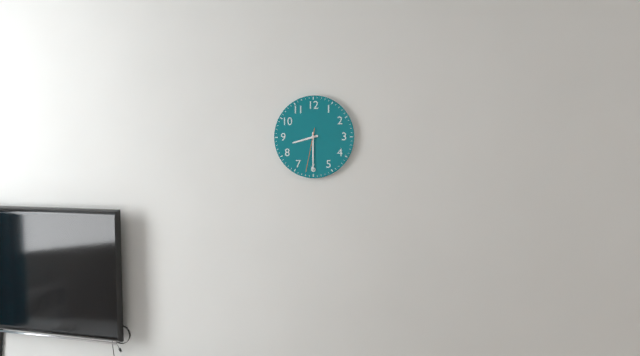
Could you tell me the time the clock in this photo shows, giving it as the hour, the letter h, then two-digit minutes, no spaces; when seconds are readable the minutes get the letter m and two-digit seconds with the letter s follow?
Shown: 8h30
